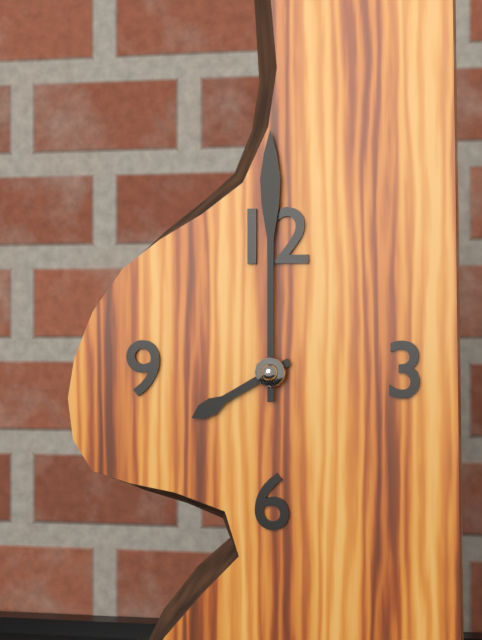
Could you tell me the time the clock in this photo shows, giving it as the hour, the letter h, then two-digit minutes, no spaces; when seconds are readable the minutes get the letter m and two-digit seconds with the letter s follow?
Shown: 8h00
